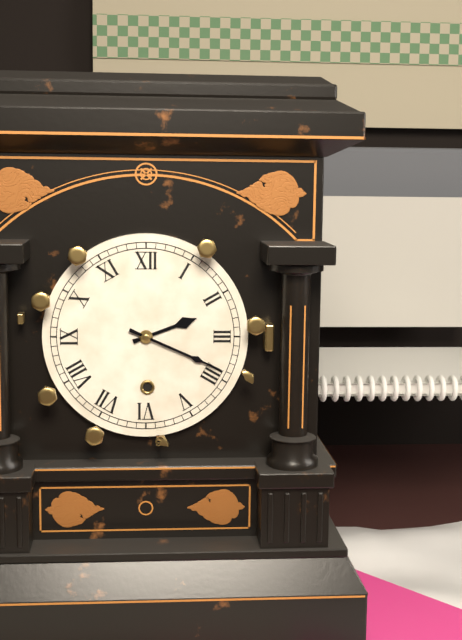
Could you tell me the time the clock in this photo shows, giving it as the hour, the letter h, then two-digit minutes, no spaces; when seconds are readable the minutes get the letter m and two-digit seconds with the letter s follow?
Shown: 2h19
